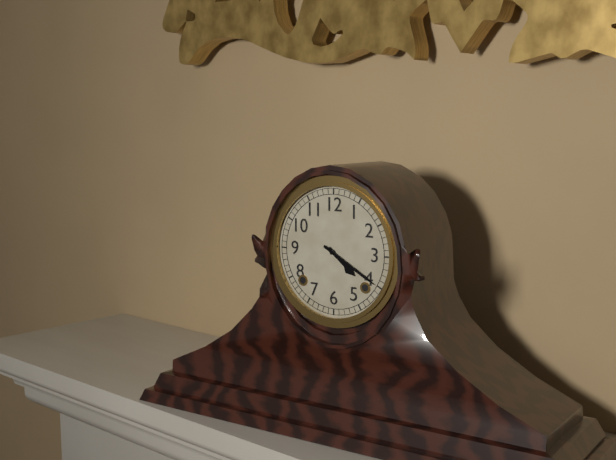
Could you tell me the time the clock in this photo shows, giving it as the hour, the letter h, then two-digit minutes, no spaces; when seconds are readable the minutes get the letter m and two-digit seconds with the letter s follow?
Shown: 4h20
